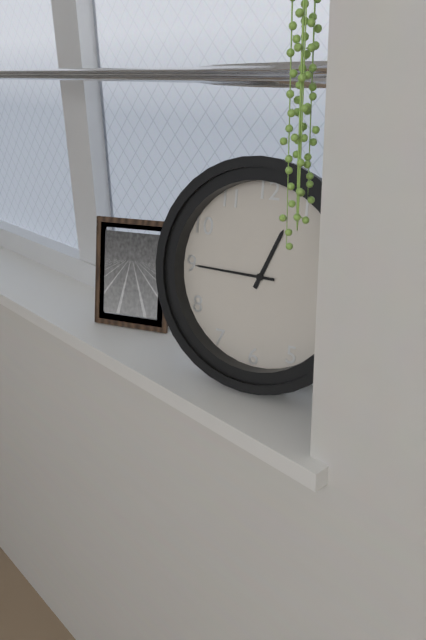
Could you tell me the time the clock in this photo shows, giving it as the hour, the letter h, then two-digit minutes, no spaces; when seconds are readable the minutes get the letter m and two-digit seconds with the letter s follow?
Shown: 12h45
